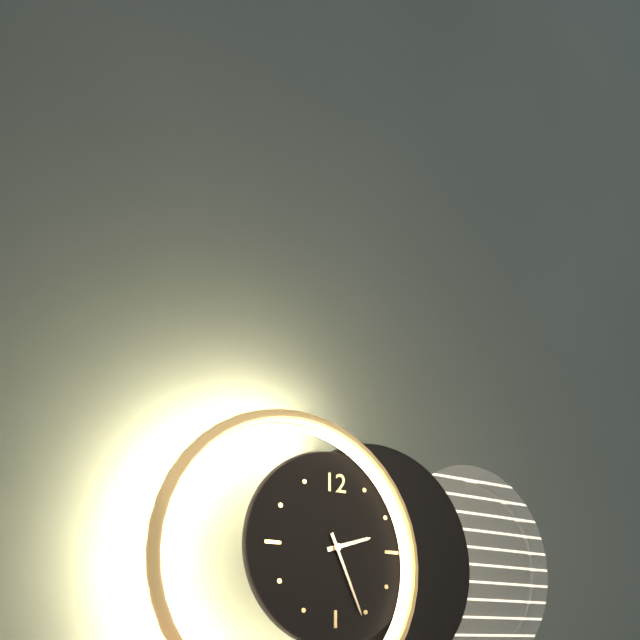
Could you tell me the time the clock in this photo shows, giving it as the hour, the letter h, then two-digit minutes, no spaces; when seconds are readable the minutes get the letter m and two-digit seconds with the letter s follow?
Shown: 2h26
